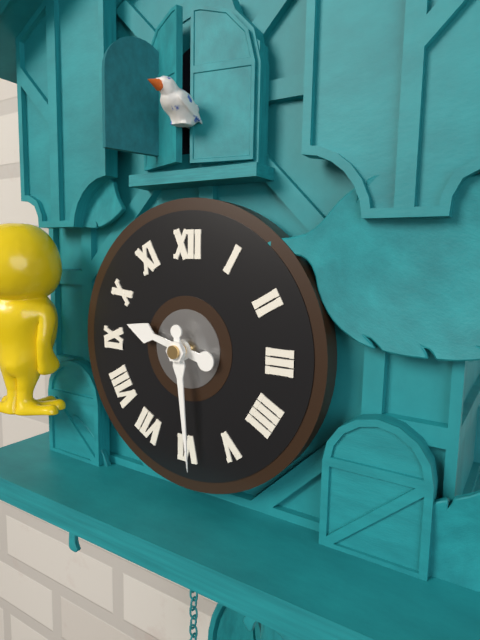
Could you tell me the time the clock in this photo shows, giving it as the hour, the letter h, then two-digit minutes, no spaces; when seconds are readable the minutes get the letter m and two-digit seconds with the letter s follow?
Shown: 9h29
